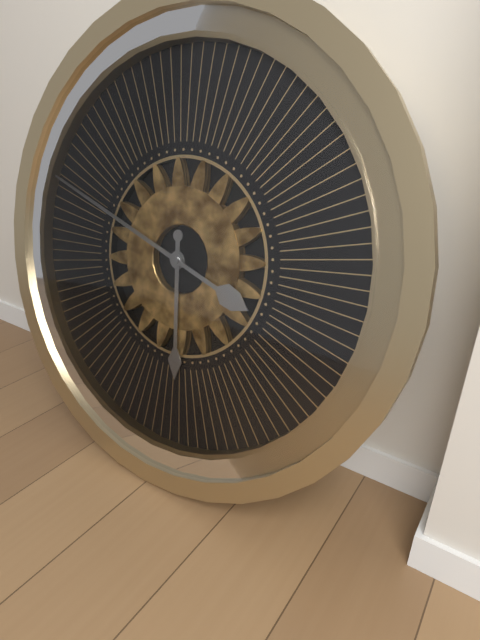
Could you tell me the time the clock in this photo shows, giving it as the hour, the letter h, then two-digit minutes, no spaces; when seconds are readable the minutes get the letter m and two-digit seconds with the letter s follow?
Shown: 5h48
